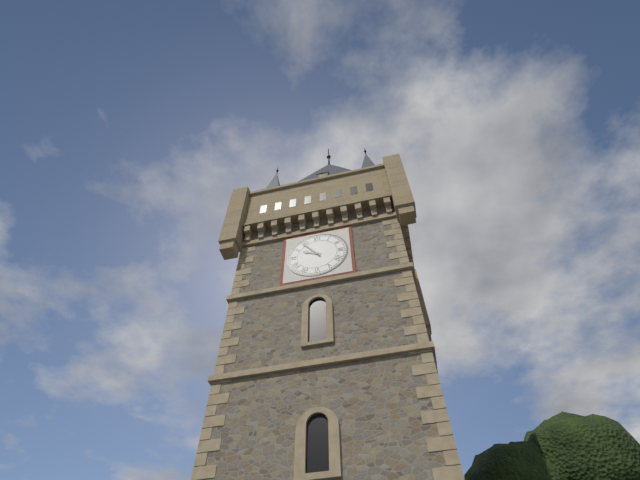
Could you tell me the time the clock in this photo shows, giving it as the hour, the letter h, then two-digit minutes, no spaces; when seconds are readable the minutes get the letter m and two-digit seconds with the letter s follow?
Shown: 9h54
